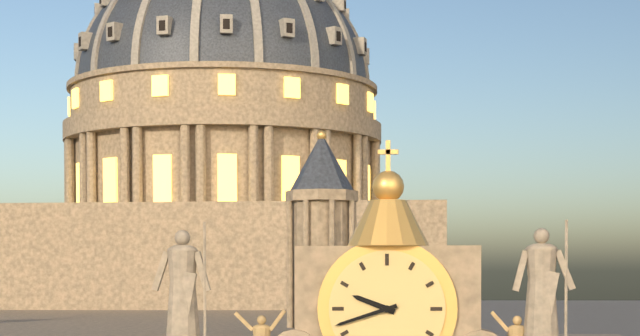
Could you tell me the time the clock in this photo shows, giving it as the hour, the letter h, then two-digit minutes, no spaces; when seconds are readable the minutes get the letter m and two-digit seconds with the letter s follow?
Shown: 9h42
